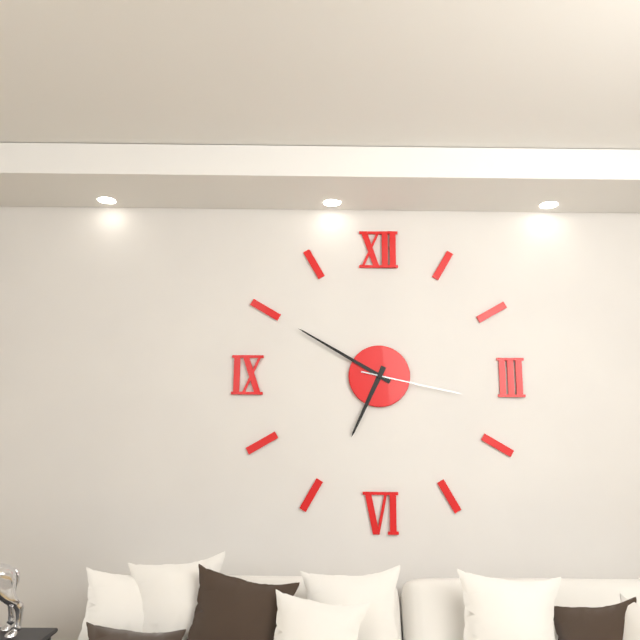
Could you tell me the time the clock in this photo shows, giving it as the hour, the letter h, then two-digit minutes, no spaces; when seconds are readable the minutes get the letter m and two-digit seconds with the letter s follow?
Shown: 6h50m17s
